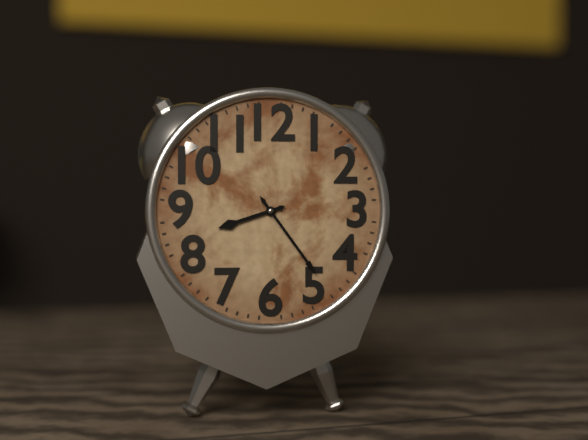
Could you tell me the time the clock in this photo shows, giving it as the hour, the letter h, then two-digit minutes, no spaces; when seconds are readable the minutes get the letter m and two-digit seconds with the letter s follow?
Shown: 8h24
